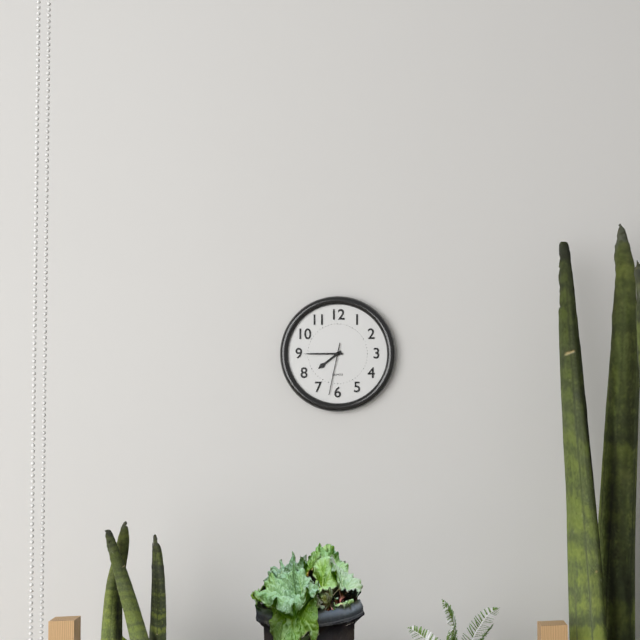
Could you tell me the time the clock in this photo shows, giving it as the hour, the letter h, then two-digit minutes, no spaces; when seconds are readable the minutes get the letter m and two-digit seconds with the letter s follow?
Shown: 7h45m32s
